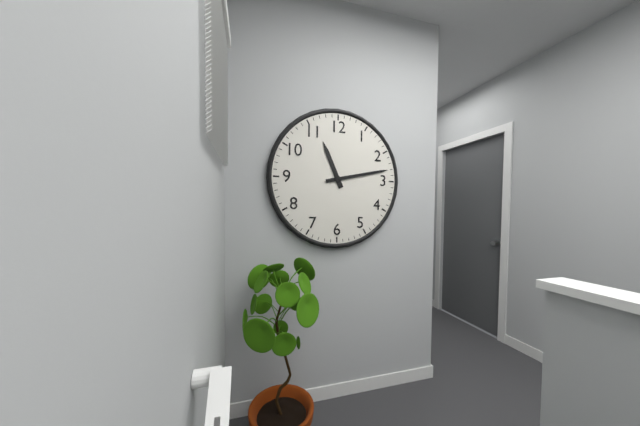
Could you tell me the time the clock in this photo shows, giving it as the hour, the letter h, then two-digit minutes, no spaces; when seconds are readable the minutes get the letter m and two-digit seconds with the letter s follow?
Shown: 11h13
